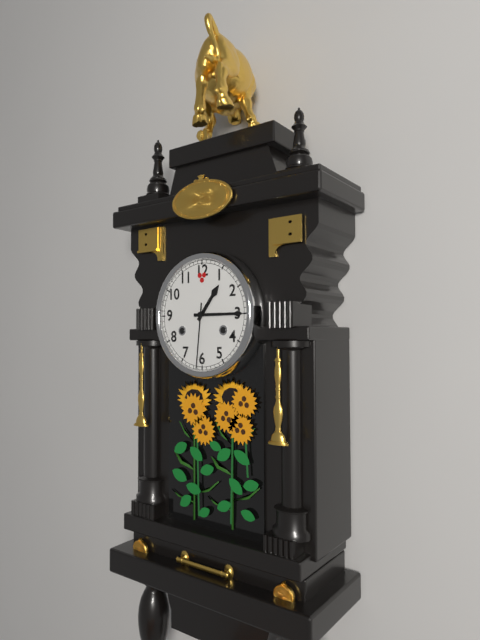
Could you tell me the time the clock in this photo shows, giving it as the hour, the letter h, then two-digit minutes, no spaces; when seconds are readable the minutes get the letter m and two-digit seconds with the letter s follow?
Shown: 1h15m31s
